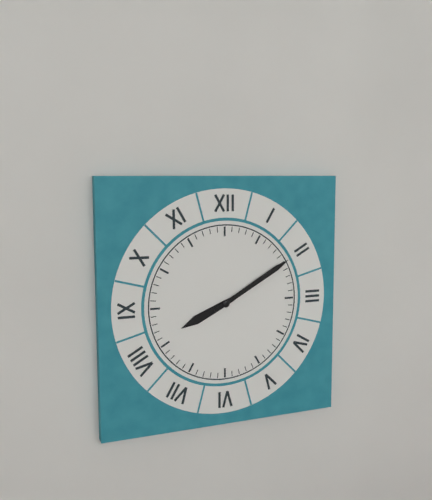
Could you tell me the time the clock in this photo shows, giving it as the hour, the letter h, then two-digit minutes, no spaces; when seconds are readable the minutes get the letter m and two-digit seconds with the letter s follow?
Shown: 8h10
